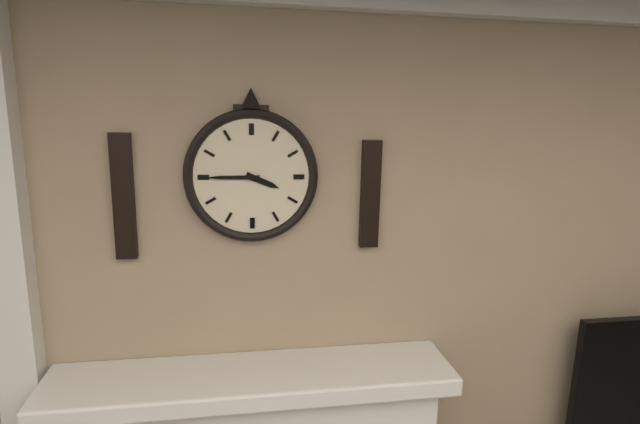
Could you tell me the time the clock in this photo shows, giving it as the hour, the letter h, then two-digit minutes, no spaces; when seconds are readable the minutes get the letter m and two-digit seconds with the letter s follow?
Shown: 3h45
